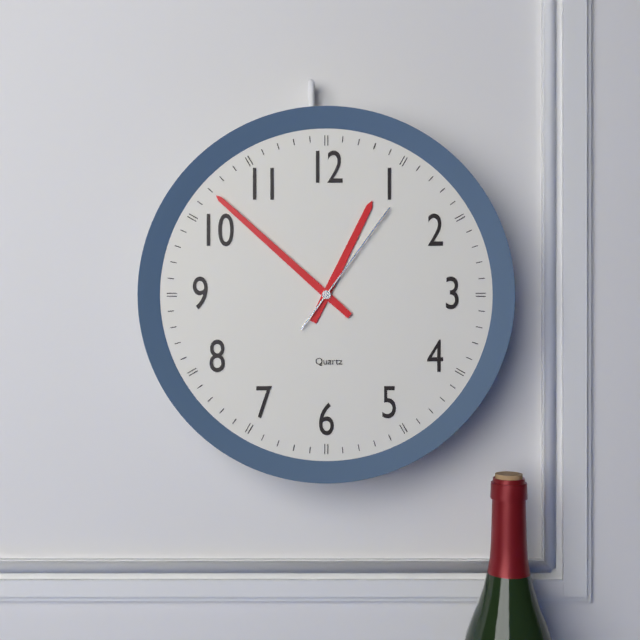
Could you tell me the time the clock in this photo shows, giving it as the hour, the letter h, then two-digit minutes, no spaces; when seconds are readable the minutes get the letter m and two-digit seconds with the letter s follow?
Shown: 12h52m06s
